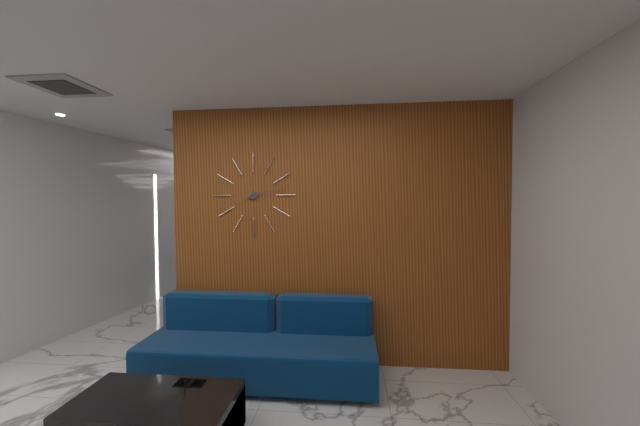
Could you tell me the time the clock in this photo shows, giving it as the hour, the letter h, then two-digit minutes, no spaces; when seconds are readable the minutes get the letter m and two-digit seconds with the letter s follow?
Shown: 8h13
